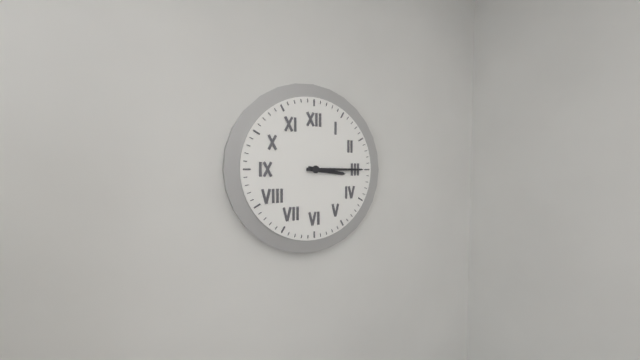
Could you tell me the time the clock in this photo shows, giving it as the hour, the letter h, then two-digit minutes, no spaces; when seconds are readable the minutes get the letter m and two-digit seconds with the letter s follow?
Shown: 3h15
